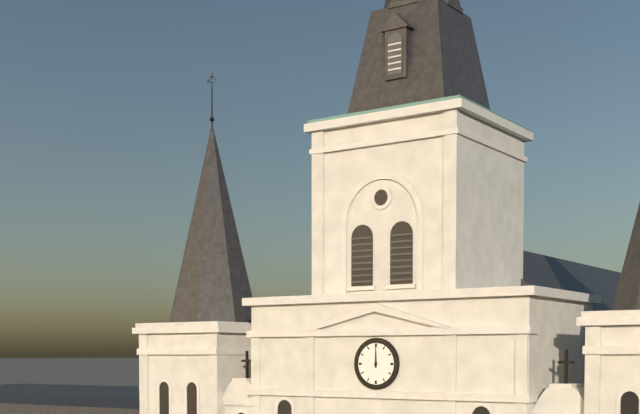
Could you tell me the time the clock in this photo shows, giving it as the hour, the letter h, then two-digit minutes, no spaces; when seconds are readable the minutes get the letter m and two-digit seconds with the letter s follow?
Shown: 12h00
